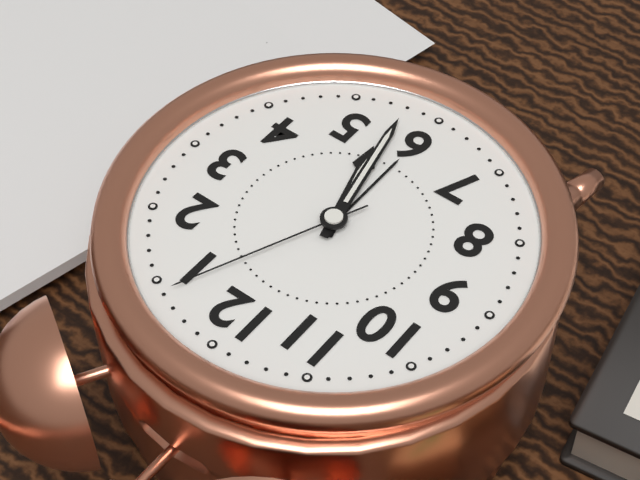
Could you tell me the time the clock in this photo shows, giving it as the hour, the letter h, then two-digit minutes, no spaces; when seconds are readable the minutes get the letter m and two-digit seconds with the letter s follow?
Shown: 5h28m04s
